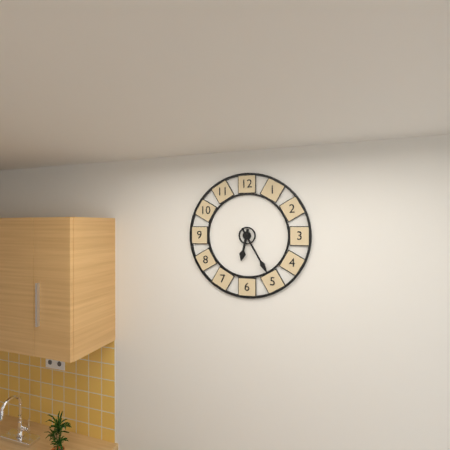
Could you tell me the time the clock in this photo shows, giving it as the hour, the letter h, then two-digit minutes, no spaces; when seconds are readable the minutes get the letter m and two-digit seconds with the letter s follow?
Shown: 6h25
